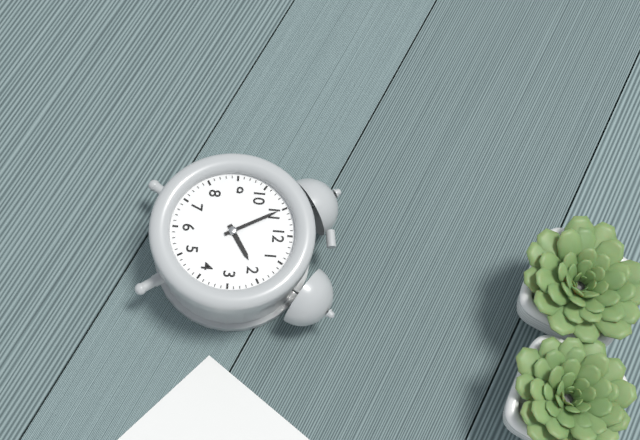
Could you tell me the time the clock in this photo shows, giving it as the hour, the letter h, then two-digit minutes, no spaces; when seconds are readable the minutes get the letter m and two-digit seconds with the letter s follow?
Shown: 1h55
